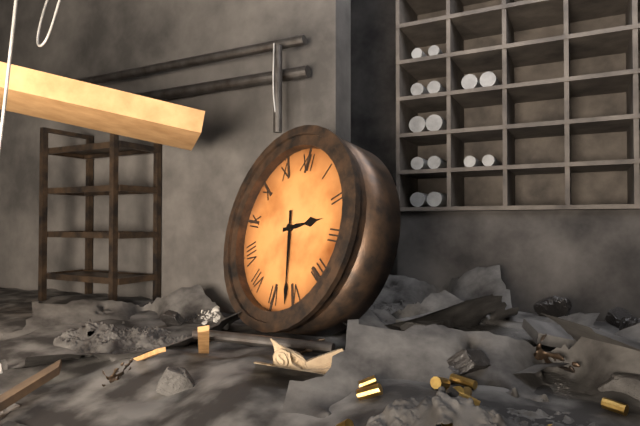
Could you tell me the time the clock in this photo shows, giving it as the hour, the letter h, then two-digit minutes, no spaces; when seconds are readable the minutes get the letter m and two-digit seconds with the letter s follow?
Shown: 2h27
